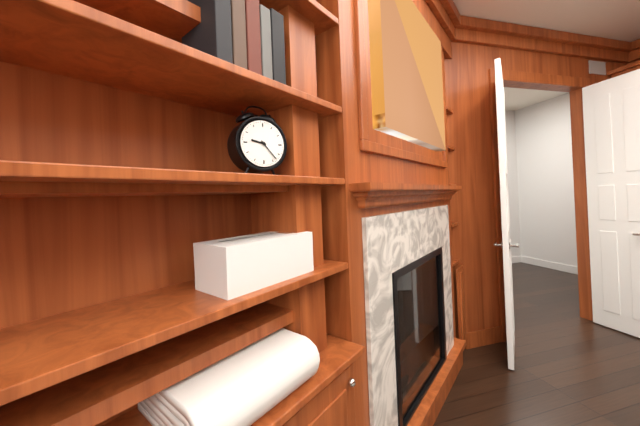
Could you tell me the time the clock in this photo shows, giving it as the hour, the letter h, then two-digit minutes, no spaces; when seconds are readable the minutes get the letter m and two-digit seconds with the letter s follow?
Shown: 9h23
